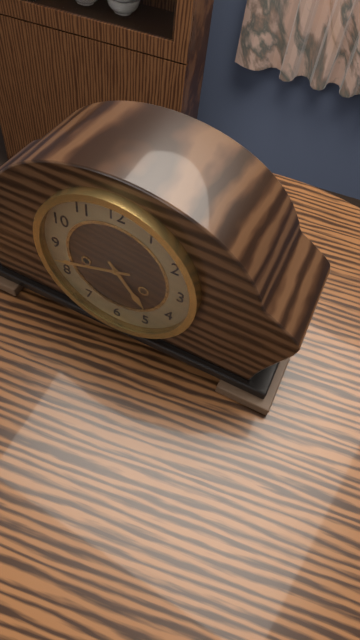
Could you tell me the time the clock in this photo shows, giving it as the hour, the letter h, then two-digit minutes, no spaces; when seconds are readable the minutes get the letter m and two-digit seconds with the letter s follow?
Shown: 4h42
